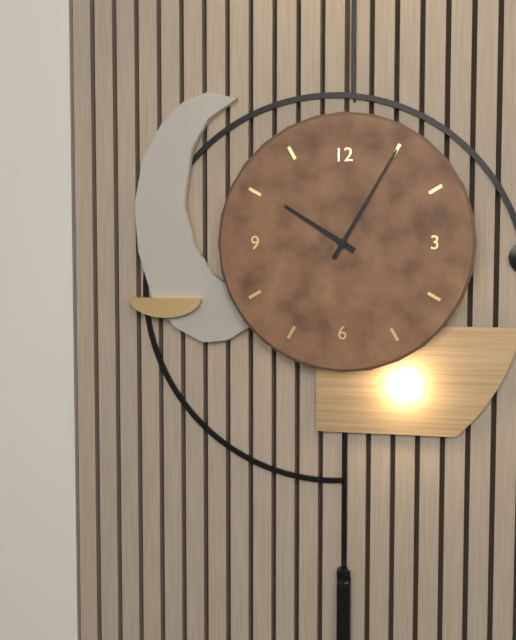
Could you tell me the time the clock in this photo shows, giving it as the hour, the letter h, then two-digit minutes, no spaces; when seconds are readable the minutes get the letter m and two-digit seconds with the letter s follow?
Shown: 10h05
